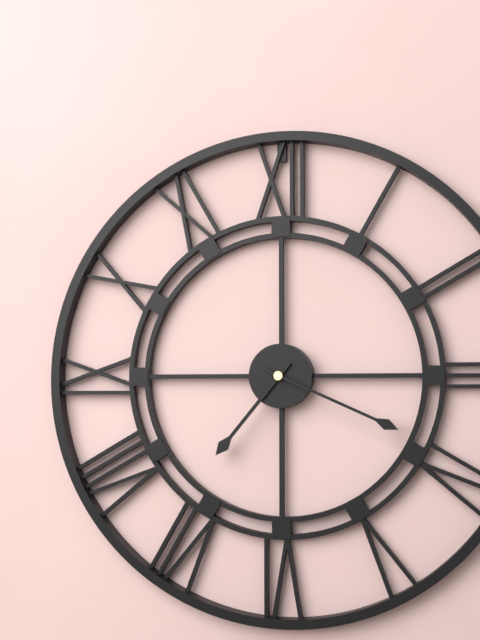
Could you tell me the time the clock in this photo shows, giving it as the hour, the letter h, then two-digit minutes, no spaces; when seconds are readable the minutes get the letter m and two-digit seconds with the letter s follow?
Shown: 7h19
